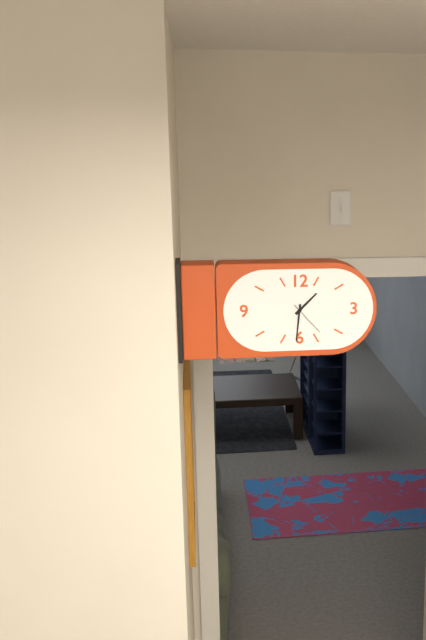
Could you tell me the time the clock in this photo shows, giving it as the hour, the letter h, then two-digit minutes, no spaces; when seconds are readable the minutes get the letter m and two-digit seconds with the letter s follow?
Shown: 1h31
